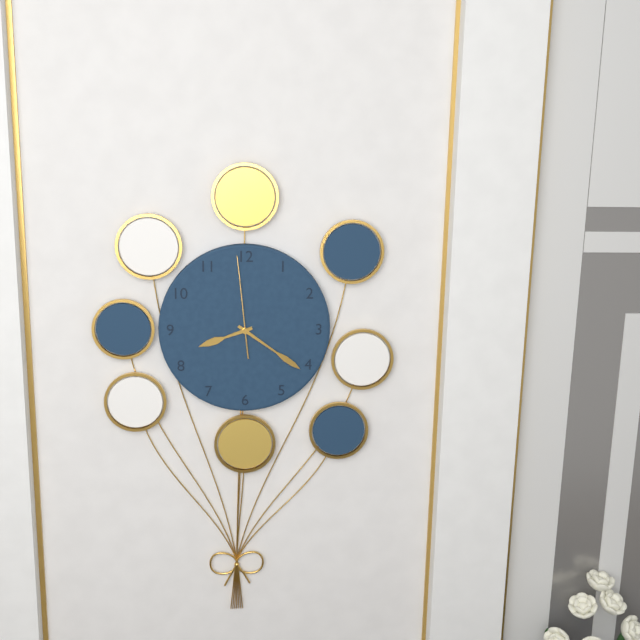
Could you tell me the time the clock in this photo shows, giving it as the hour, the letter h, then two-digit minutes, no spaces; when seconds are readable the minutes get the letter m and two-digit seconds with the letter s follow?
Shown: 8h21m59s
